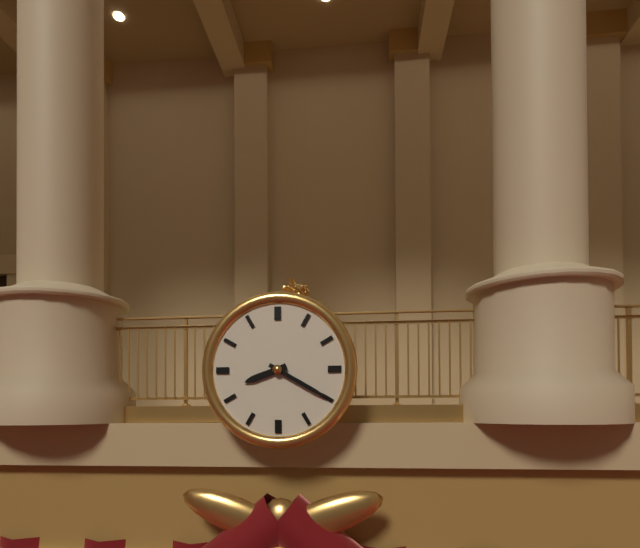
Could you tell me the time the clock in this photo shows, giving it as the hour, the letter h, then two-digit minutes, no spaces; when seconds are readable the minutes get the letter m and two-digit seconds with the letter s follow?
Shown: 8h20
